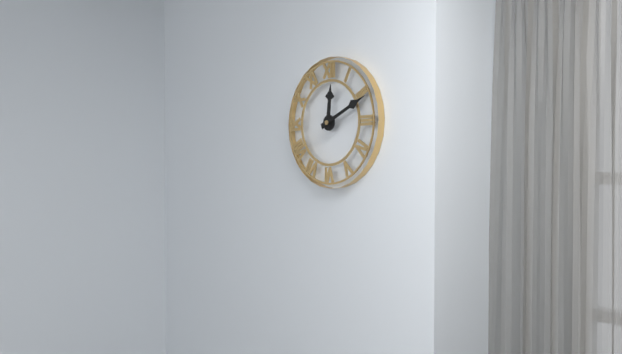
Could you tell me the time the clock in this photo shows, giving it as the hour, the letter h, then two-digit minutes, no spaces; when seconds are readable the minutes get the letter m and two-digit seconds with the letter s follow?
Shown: 12h11
